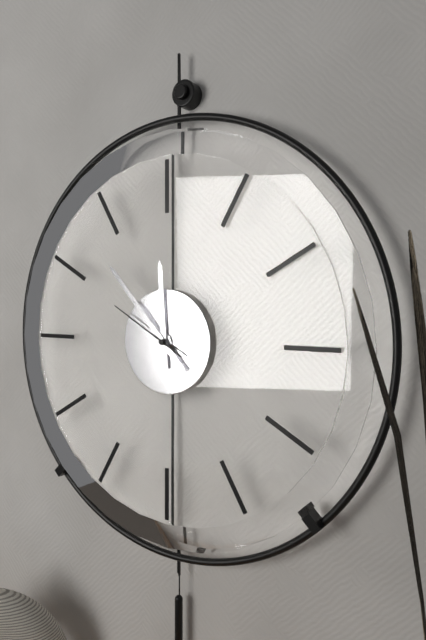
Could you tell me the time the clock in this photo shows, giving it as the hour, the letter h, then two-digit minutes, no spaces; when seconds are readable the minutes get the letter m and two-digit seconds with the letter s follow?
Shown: 11h53m50s
